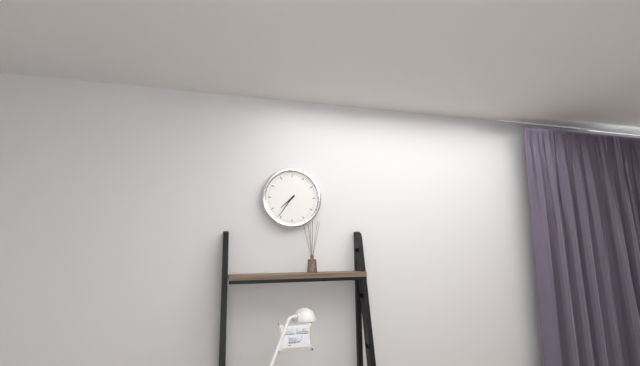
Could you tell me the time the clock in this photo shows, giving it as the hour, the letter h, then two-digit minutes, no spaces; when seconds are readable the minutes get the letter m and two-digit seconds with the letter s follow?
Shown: 7h36
